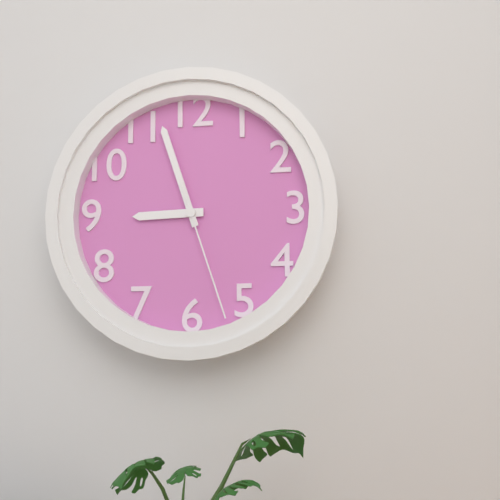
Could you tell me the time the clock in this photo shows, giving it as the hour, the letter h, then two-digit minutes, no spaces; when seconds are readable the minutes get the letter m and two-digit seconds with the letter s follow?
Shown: 8h57m27s
